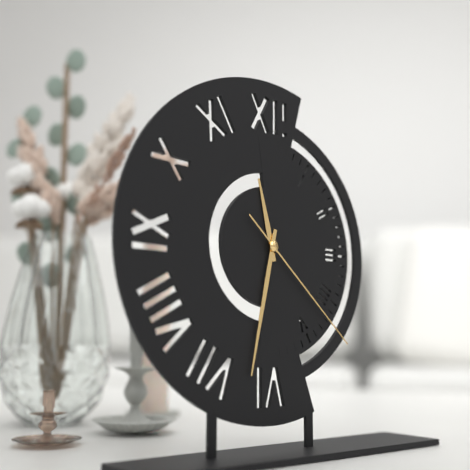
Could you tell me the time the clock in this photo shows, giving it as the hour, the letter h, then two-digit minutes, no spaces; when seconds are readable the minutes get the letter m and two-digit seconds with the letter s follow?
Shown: 11h32m22s
